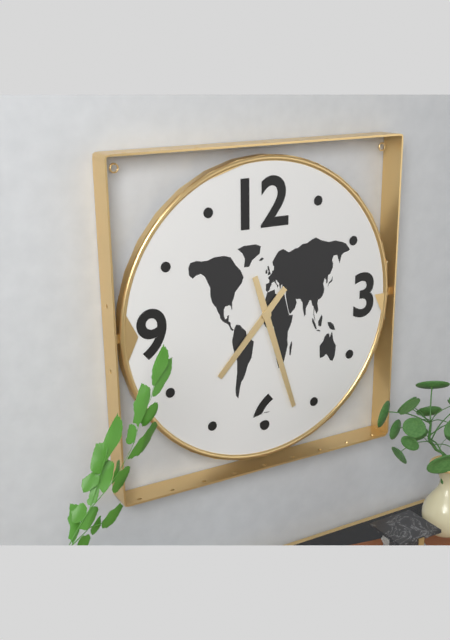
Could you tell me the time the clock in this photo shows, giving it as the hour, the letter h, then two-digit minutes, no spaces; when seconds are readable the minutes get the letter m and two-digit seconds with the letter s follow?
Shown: 7h27
